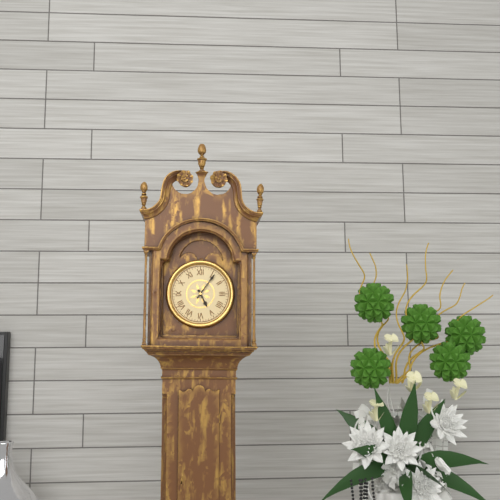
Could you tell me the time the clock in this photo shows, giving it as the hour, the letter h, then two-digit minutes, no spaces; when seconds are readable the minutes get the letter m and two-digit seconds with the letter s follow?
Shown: 5h06
